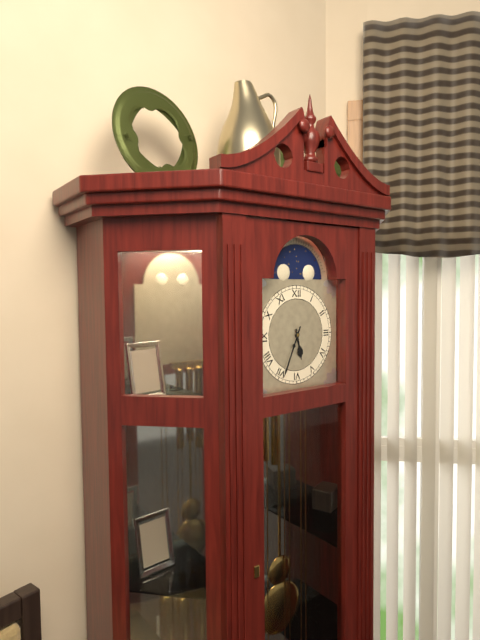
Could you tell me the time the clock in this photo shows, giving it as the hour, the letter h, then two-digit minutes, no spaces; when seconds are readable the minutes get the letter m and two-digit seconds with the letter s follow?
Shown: 5h34
